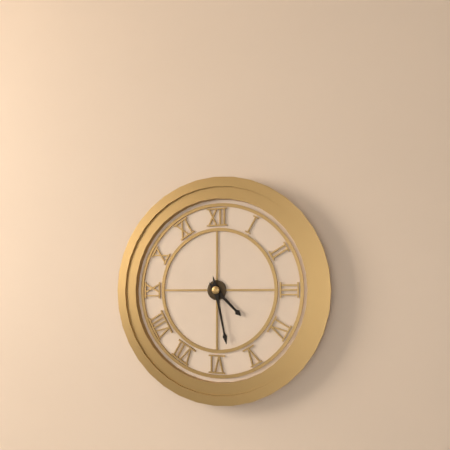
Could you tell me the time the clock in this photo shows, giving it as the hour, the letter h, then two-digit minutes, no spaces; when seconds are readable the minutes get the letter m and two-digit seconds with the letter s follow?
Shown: 4h28
